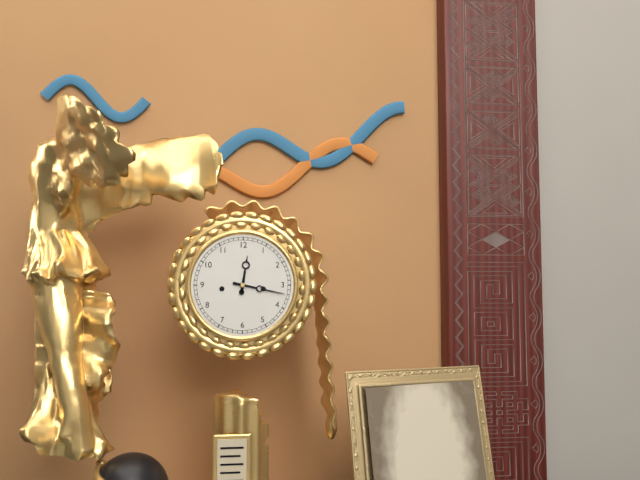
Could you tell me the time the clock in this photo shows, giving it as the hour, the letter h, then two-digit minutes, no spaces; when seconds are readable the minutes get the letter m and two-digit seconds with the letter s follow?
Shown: 12h17
